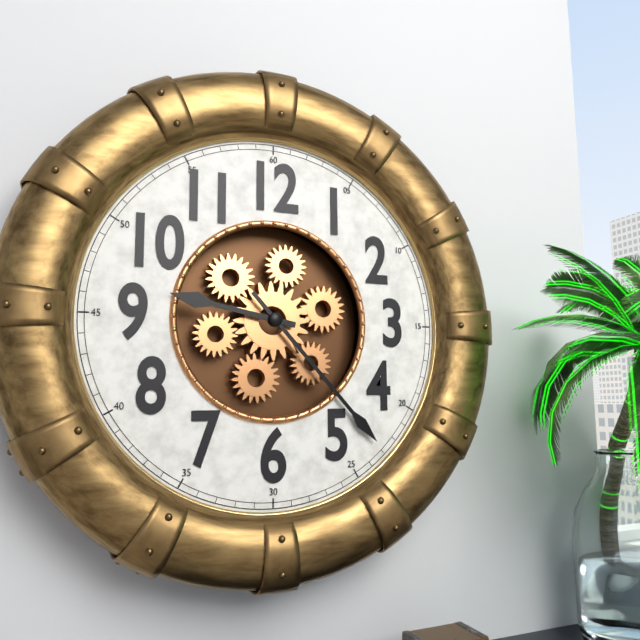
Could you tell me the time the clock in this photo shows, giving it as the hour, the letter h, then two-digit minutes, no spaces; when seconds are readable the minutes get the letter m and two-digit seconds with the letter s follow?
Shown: 9h23
